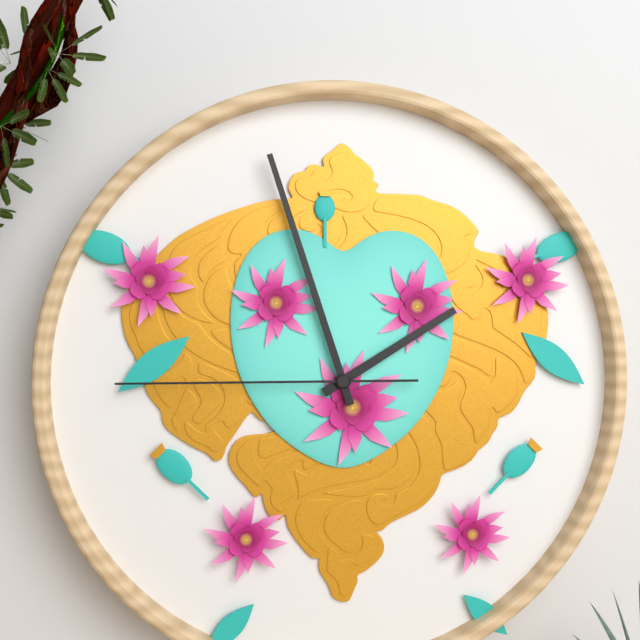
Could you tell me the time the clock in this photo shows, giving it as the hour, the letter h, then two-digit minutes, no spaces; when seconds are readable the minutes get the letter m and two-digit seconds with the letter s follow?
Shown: 1h57m45s
